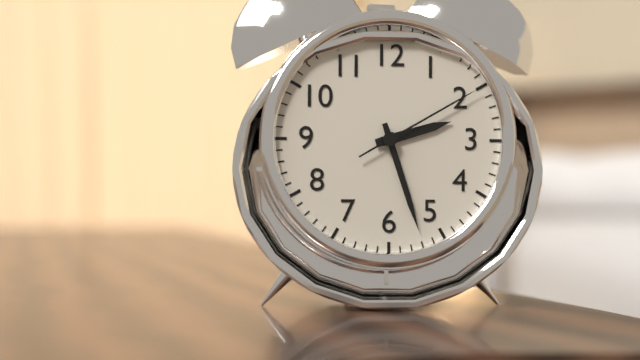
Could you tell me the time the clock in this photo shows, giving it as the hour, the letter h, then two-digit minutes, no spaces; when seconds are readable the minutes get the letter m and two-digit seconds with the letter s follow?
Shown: 2h27m10s
